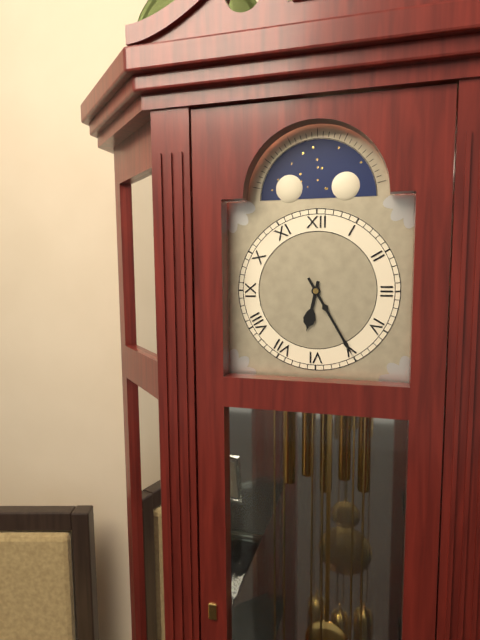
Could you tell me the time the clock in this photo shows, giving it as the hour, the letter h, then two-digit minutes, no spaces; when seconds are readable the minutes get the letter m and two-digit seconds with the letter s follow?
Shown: 6h25
